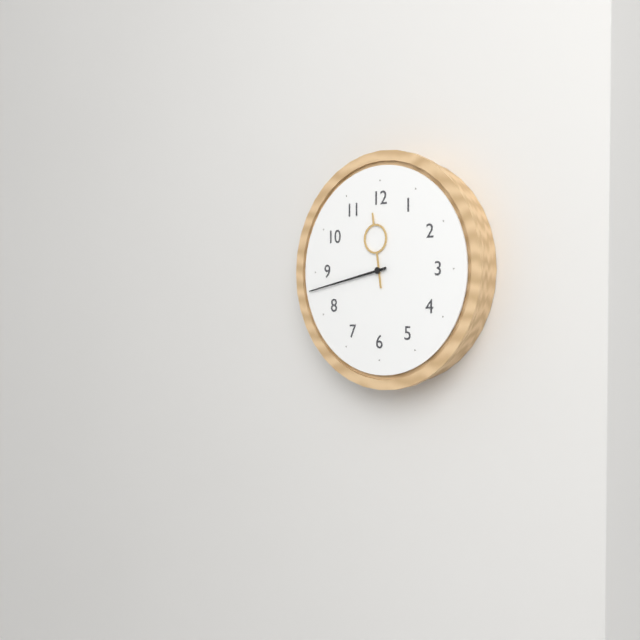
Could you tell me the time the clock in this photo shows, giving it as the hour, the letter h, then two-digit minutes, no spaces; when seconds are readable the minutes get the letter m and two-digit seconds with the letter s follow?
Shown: 11h43
